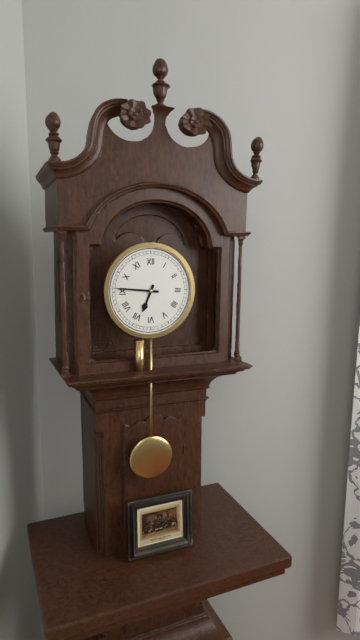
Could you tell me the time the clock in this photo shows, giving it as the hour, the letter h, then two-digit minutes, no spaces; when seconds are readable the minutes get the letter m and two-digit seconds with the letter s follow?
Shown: 6h46
